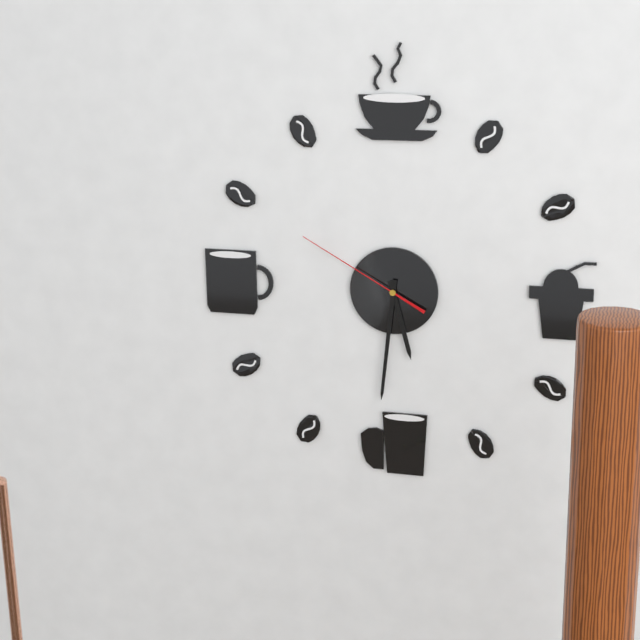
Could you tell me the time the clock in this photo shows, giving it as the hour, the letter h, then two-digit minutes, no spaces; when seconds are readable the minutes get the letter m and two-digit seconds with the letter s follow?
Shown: 5h31m50s
